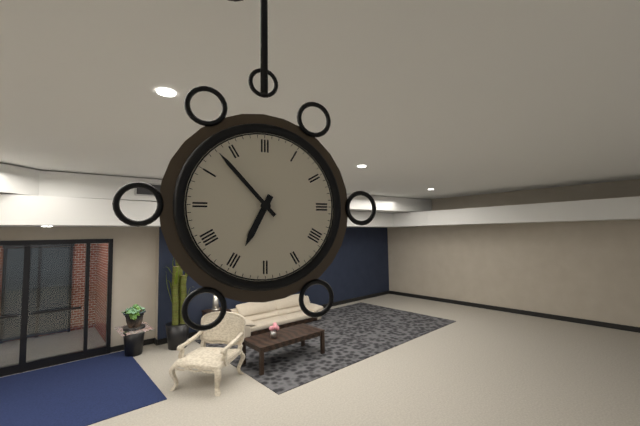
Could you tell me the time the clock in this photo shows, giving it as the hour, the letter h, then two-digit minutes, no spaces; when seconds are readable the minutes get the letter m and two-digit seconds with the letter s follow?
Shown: 6h53
